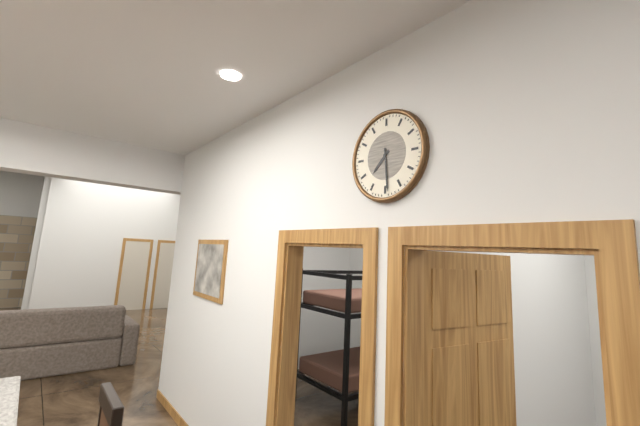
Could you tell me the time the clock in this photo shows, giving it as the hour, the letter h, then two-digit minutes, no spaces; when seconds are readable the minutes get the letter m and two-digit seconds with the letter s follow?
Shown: 7h29
